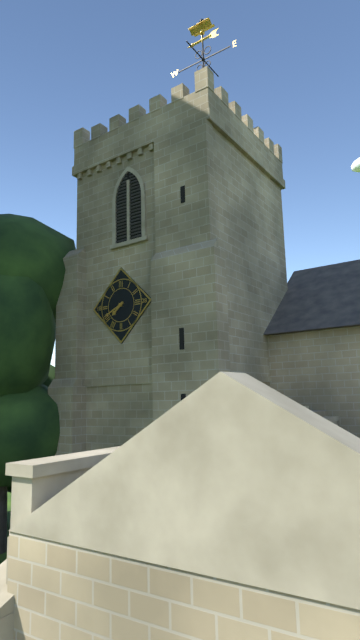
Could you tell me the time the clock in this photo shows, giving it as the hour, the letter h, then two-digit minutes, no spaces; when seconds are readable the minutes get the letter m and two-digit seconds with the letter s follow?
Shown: 7h41
